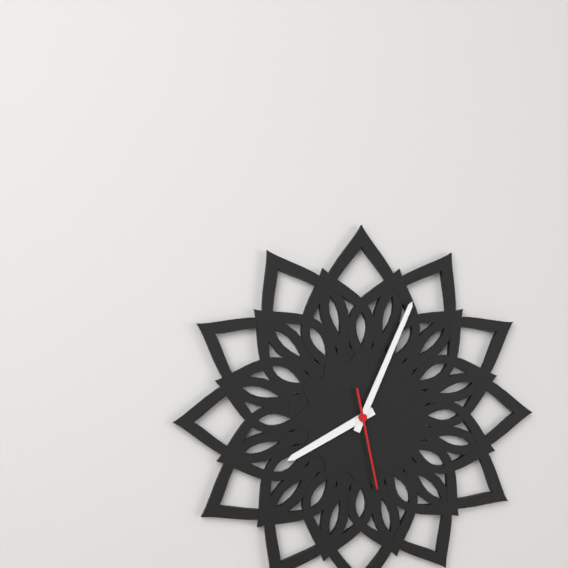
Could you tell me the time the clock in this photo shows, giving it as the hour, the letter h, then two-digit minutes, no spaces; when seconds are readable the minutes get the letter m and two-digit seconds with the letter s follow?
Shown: 8h04m28s
